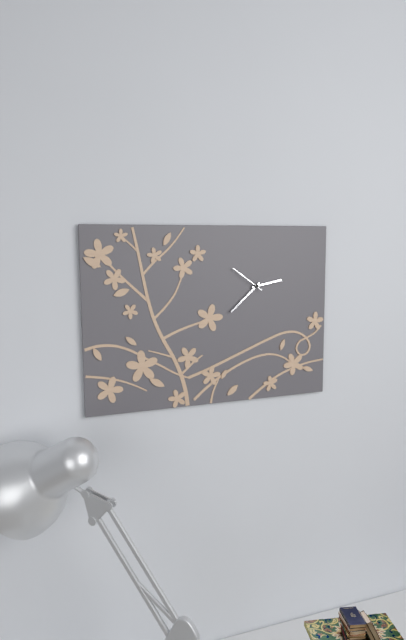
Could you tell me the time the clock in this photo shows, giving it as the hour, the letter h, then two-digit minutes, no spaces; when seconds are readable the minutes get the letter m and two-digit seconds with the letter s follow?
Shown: 2h38
